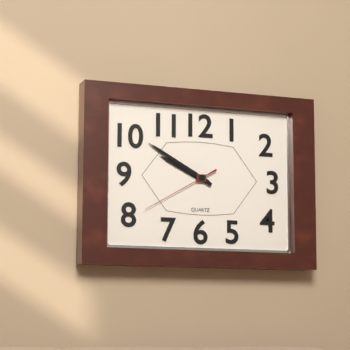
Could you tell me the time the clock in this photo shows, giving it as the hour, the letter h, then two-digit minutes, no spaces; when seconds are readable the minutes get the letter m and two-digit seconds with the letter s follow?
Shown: 9h50m40s
